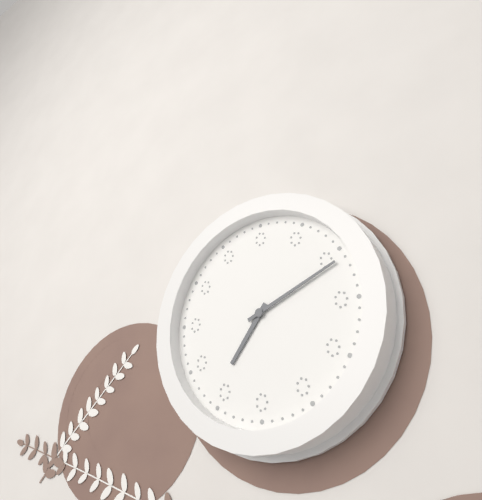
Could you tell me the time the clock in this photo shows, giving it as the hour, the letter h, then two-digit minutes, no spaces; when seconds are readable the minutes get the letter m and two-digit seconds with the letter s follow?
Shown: 7h11
